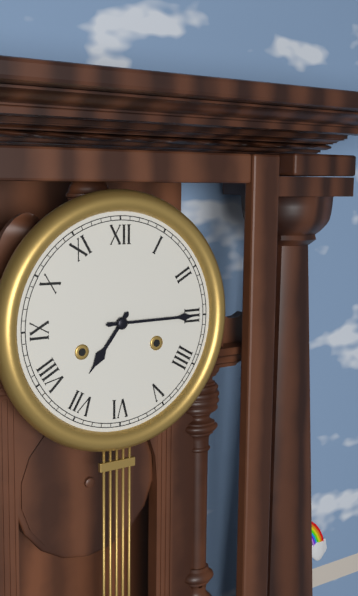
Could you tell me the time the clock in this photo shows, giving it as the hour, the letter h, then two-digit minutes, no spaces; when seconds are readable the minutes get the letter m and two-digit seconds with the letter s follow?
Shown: 7h15
